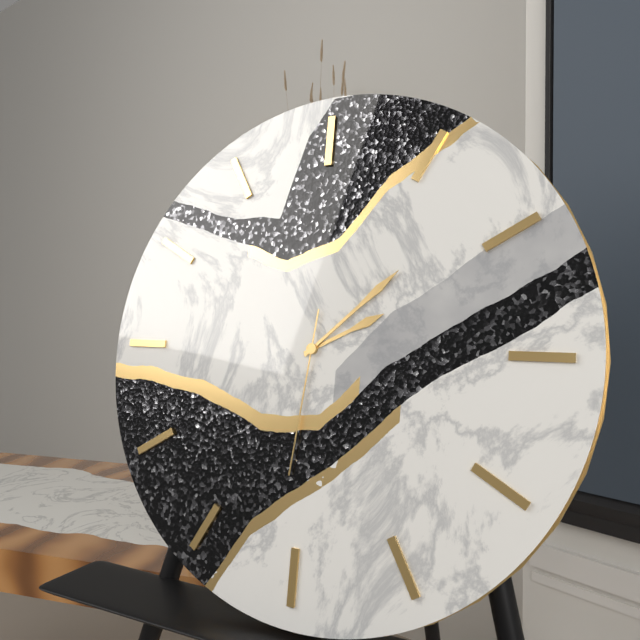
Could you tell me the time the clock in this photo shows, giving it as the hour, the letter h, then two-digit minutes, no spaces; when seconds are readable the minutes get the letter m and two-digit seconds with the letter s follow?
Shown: 2h08m31s
